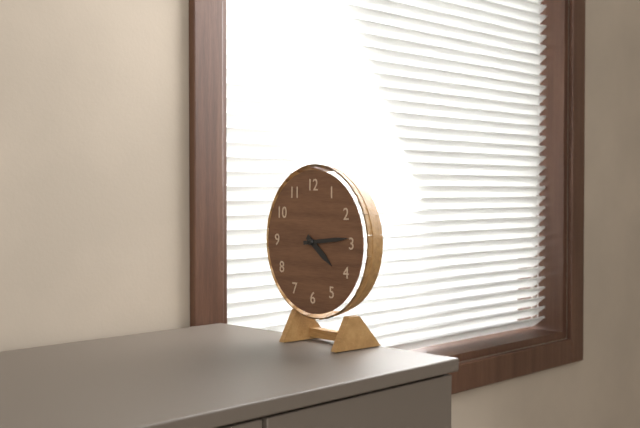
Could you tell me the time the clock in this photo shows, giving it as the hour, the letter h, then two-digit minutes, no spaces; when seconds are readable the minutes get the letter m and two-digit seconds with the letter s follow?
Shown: 4h14
